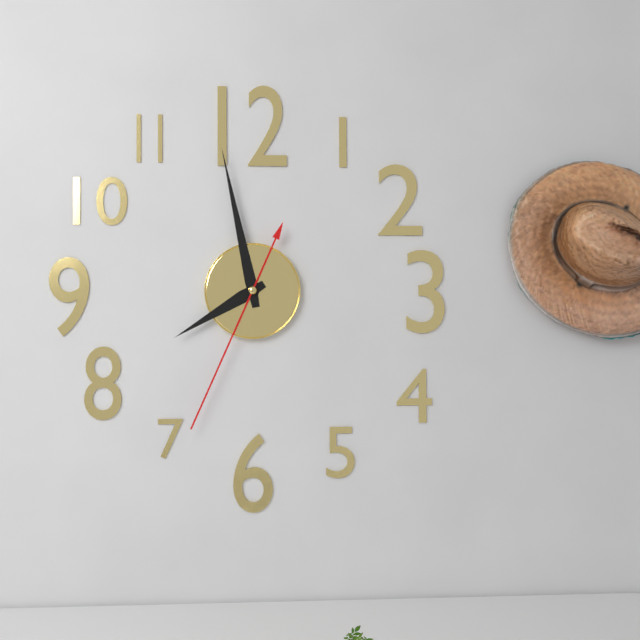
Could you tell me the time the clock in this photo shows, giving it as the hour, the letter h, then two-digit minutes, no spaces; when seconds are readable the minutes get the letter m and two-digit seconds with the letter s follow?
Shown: 7h58m34s
